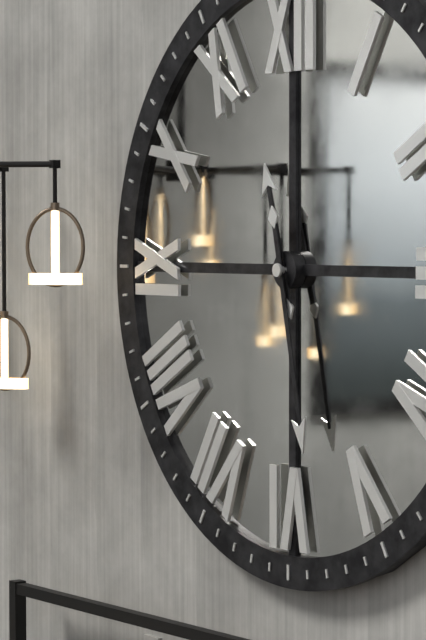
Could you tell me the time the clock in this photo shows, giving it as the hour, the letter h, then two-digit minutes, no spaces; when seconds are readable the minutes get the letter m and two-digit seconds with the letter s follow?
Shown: 11h28
